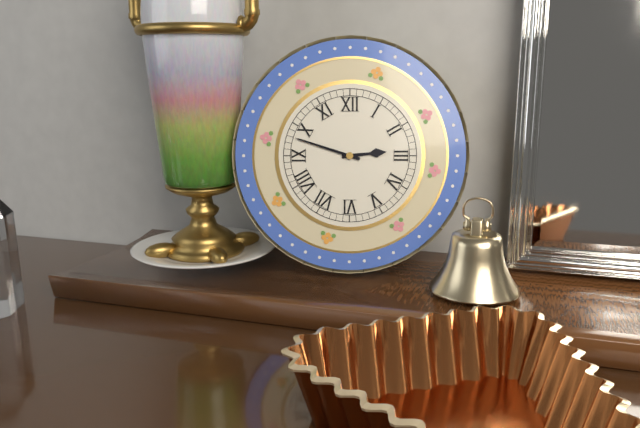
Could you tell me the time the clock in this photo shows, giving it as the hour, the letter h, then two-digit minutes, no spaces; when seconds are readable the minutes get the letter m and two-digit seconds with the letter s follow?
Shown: 2h48
